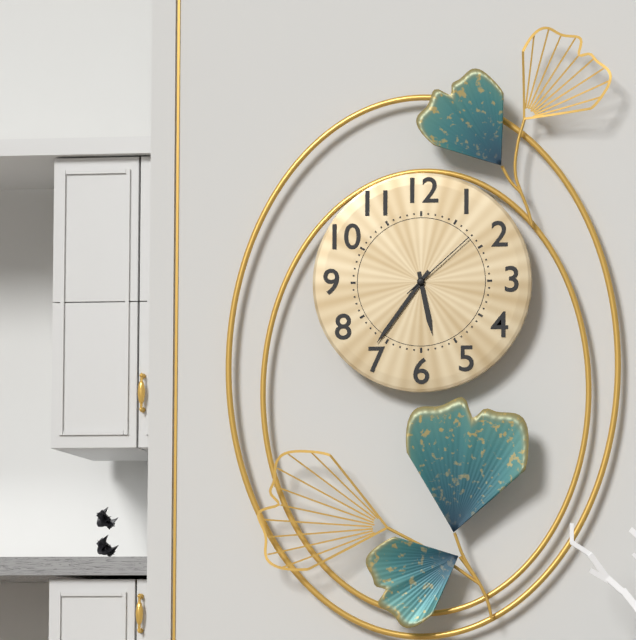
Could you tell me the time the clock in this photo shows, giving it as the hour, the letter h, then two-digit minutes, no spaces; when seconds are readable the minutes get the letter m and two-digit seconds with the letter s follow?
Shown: 5h36m08s
